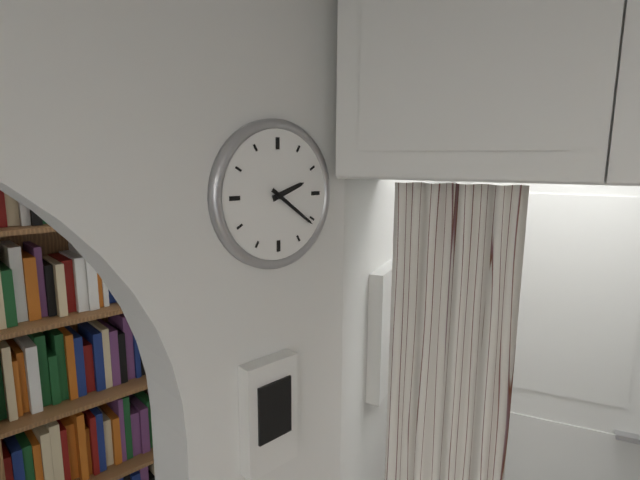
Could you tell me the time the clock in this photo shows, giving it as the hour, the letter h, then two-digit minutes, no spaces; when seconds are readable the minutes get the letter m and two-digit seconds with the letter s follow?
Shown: 2h21
